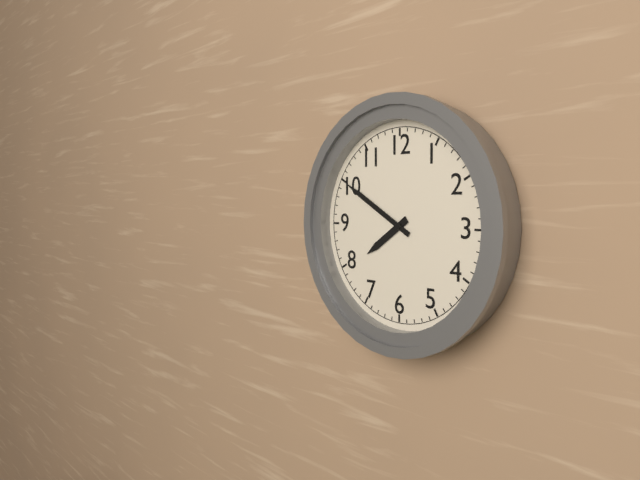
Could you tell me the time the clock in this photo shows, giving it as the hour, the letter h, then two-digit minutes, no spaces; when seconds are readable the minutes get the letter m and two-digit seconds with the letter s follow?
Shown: 7h50
